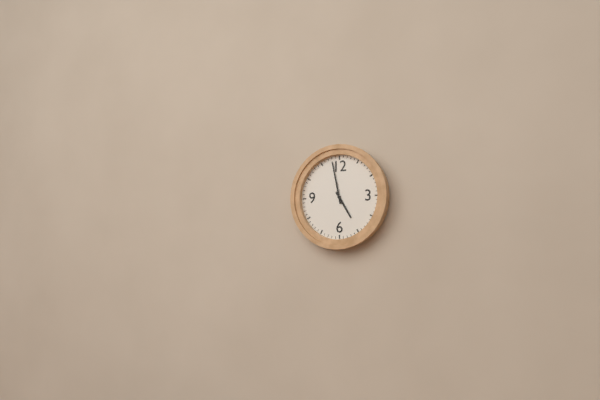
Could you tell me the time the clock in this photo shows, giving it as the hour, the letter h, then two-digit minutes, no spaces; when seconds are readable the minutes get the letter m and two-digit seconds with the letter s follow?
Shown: 4h58
